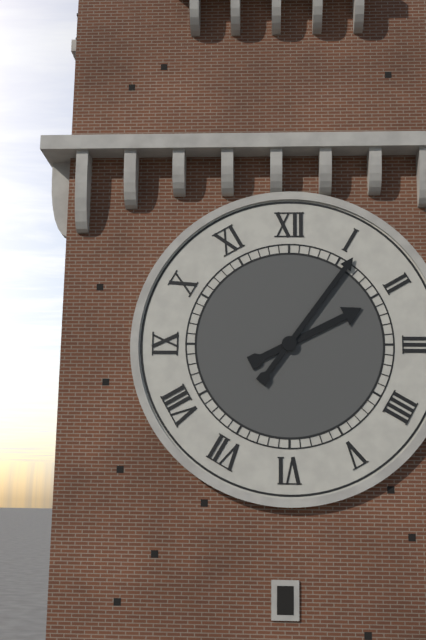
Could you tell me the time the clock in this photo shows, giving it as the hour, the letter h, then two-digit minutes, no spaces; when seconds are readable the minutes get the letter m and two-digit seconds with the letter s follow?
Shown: 2h06
